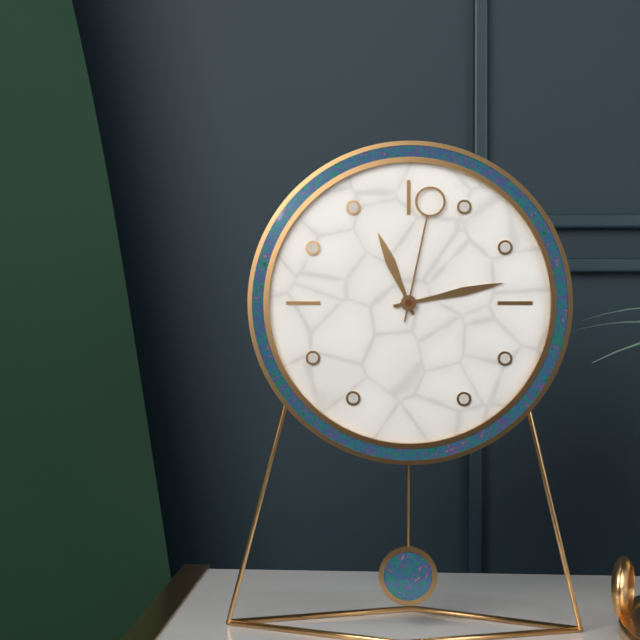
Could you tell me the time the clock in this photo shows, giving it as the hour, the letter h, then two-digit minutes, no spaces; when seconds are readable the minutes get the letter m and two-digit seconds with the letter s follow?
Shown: 11h13m02s
